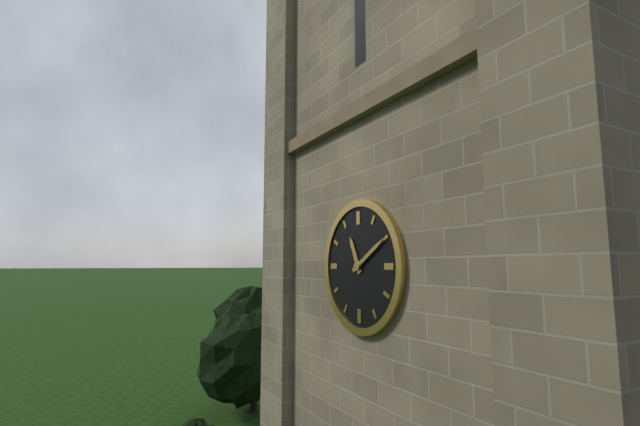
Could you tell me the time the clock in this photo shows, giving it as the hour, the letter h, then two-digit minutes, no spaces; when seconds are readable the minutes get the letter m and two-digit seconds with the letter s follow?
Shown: 11h10
